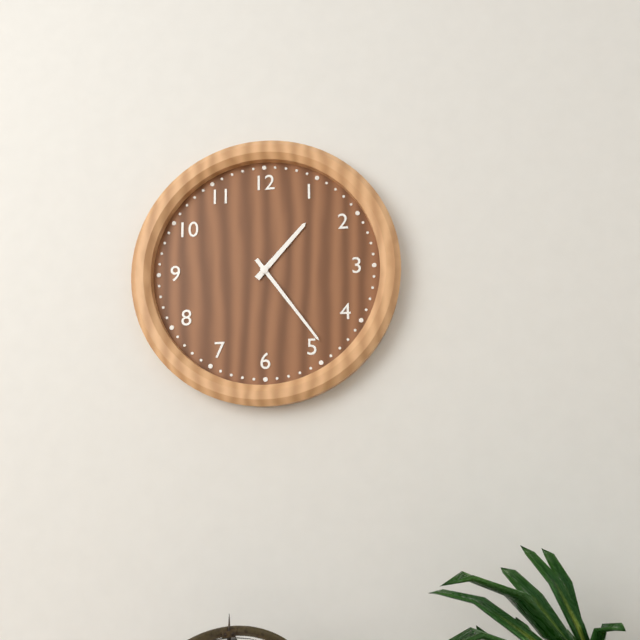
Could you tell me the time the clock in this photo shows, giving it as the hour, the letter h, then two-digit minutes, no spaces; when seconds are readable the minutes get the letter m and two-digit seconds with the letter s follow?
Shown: 1h24
